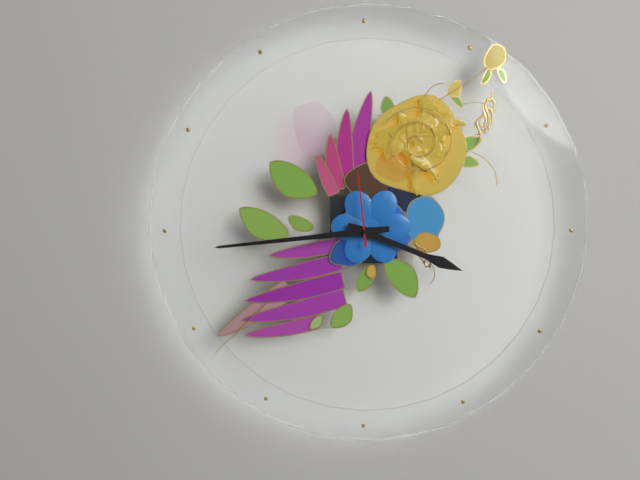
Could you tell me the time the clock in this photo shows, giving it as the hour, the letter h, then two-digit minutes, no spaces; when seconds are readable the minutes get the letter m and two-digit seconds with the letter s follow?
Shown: 3h44m59s
